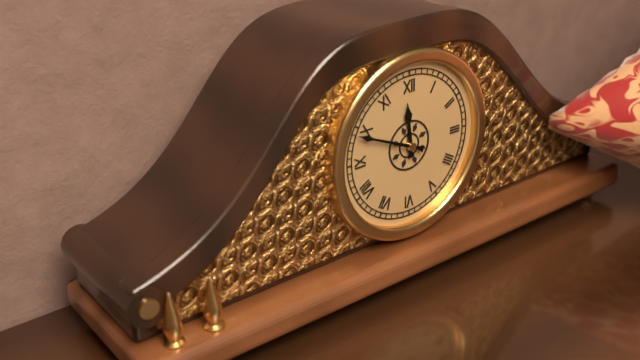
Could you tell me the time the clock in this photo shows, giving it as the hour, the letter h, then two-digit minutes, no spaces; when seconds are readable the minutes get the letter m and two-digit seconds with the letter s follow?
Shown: 11h49
